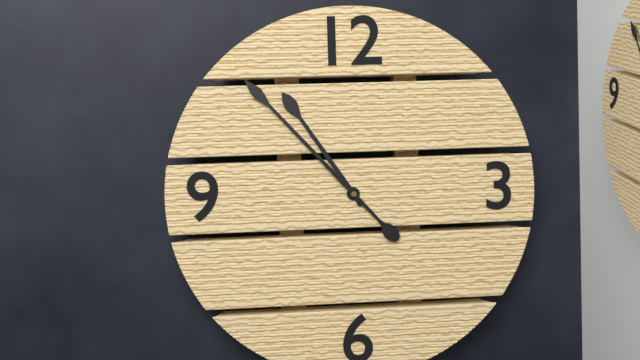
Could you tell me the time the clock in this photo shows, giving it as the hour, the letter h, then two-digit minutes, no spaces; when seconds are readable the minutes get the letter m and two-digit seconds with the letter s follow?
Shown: 10h53
